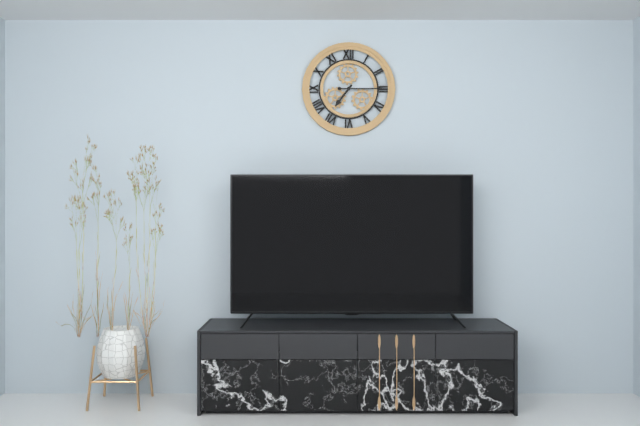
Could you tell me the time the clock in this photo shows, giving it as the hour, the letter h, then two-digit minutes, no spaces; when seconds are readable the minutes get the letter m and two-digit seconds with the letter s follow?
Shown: 7h15
